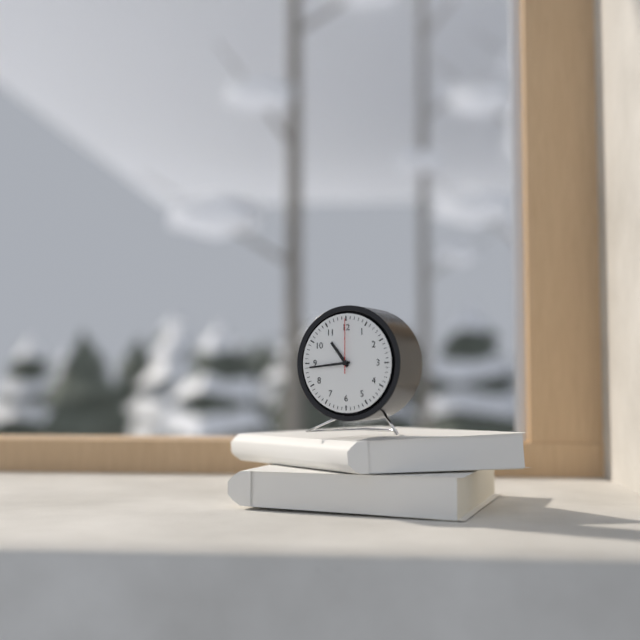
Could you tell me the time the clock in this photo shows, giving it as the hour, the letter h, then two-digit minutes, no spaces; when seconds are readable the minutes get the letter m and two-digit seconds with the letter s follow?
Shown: 10h44m00s
